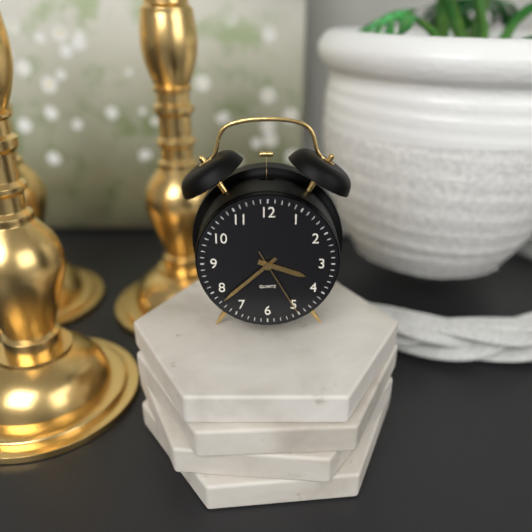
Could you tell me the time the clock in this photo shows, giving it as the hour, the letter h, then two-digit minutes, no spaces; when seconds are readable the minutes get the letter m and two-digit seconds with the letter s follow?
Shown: 3h38m25s
